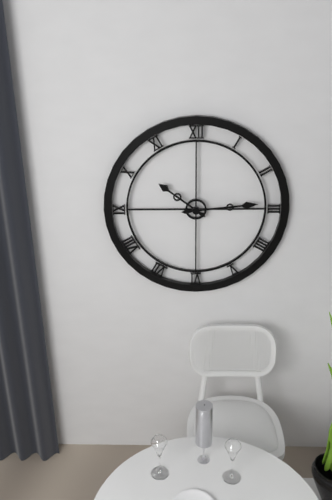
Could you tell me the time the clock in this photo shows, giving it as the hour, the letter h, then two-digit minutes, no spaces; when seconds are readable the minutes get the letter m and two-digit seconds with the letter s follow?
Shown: 10h14
